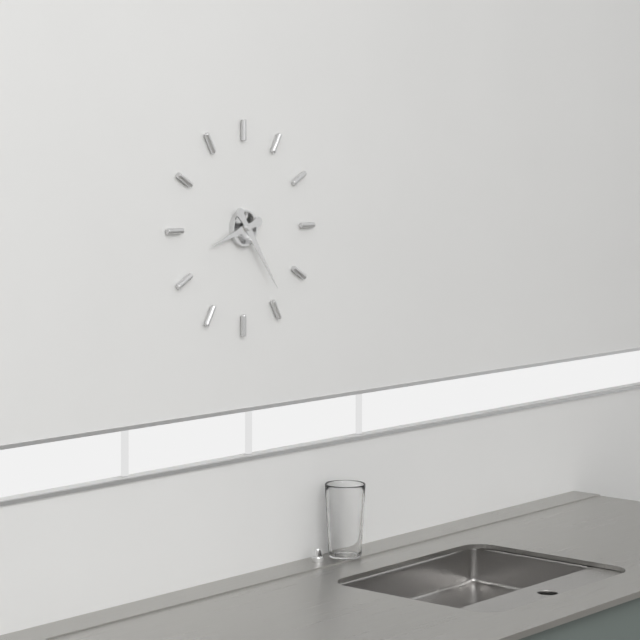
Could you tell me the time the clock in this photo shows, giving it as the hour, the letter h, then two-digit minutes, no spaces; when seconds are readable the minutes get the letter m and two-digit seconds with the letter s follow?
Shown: 8h24
